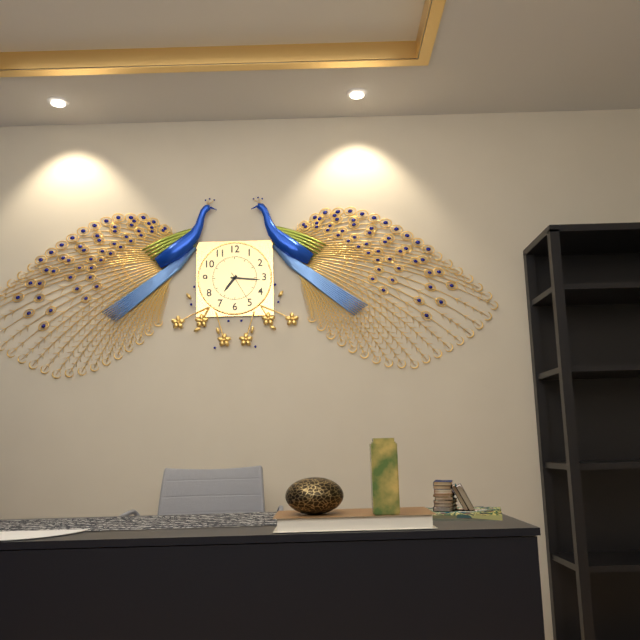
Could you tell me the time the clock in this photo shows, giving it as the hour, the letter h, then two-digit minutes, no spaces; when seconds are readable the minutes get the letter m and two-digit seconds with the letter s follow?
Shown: 7h16
